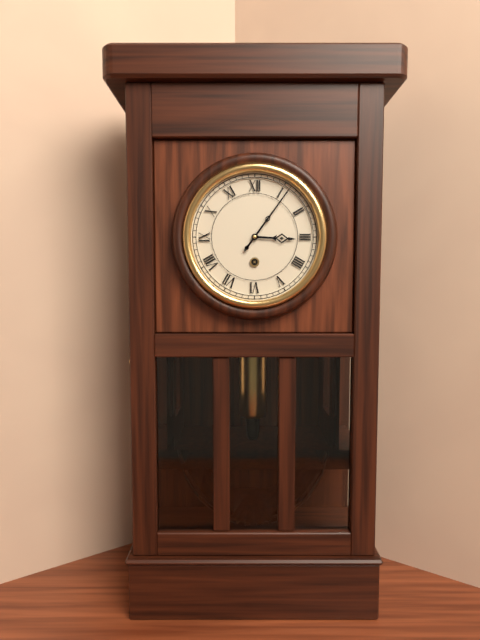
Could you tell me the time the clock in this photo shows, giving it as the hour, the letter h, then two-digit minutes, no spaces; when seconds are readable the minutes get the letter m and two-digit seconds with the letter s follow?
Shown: 3h06
